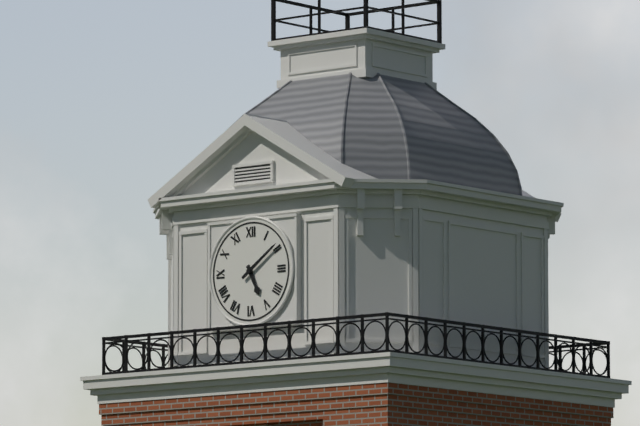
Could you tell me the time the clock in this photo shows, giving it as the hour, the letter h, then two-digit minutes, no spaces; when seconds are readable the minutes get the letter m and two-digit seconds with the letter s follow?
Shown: 5h09
